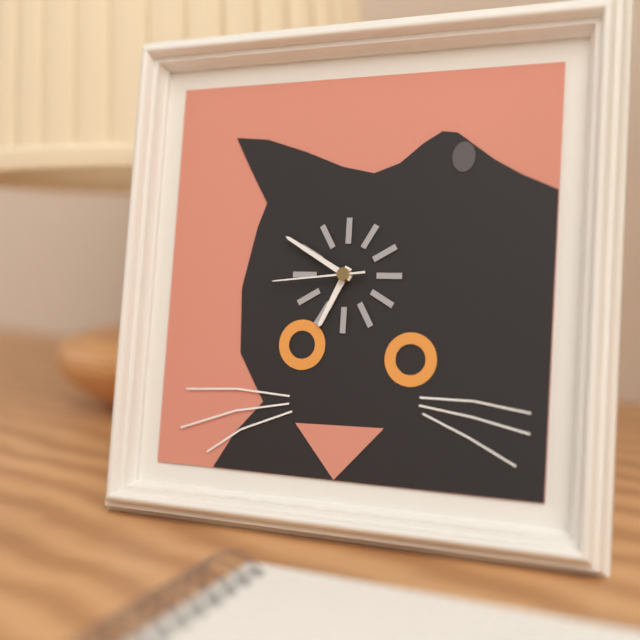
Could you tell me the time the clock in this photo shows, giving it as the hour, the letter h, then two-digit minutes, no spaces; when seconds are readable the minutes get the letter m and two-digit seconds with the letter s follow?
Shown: 6h50m44s
